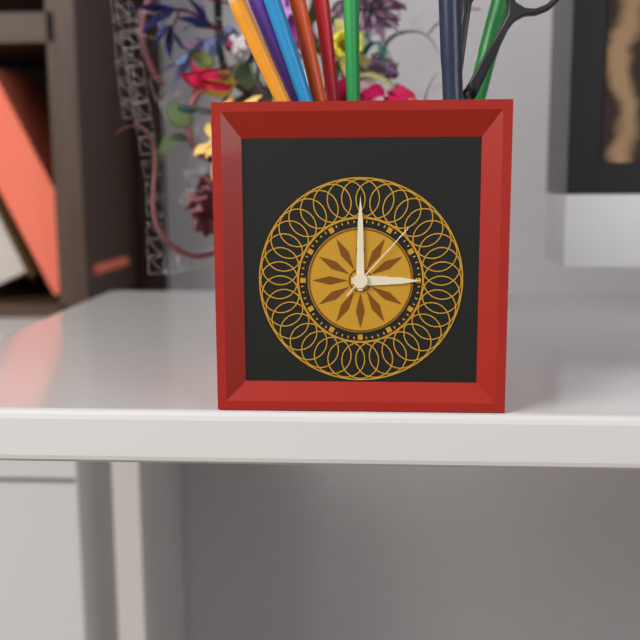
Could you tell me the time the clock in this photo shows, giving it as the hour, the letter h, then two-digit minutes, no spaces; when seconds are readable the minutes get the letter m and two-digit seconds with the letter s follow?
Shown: 3h00m07s
